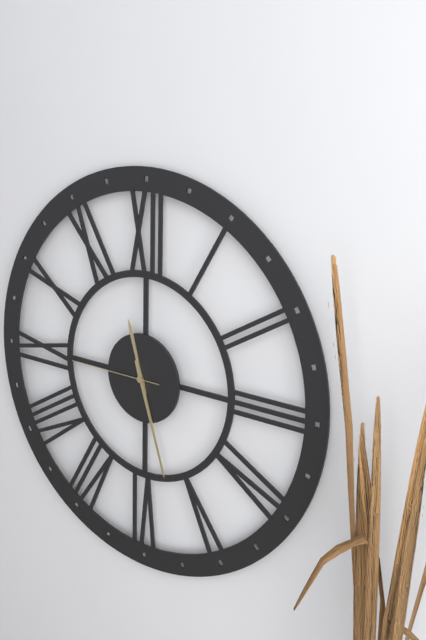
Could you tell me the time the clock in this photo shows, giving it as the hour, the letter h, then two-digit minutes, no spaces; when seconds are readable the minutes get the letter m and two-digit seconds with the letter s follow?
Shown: 11h27m45s
